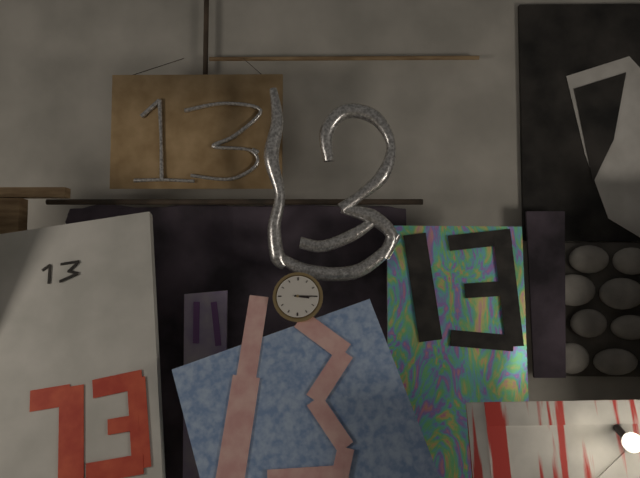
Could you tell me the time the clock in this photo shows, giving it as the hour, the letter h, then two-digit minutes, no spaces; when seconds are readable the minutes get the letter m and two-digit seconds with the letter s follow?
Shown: 3h15
